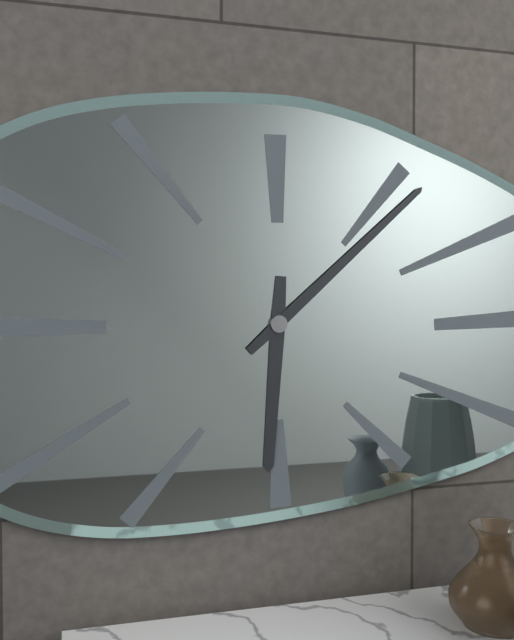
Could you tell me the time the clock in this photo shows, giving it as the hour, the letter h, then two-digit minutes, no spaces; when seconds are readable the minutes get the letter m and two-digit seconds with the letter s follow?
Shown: 6h08
